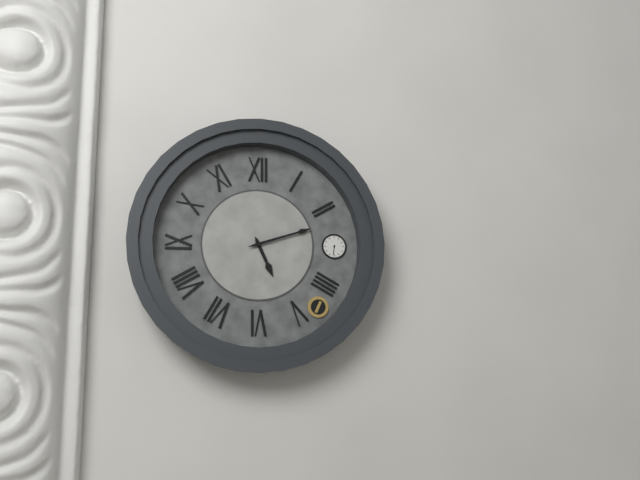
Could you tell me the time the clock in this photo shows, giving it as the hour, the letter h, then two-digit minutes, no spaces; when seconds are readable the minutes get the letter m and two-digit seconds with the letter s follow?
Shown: 5h12
